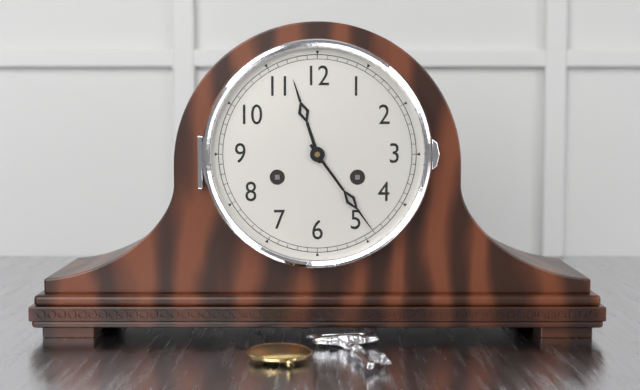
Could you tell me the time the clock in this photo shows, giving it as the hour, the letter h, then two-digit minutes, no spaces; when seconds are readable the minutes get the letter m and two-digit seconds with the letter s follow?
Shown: 11h24
